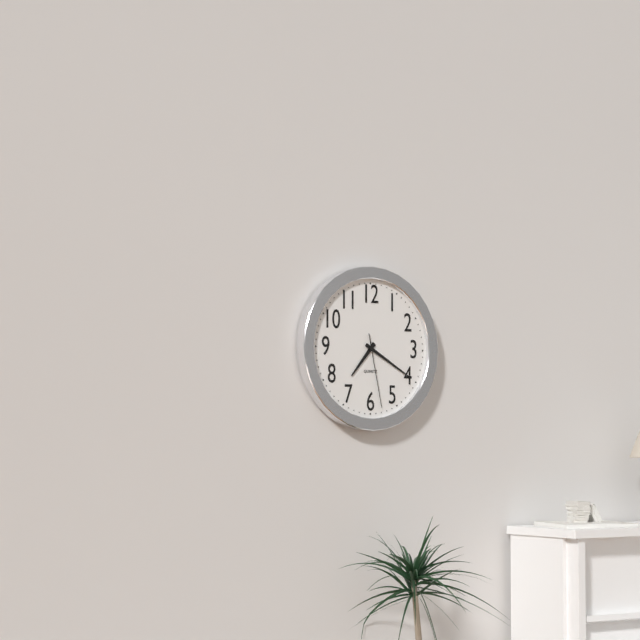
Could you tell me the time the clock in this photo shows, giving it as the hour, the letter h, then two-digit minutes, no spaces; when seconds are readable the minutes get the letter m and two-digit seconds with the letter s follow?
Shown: 7h20m28s
